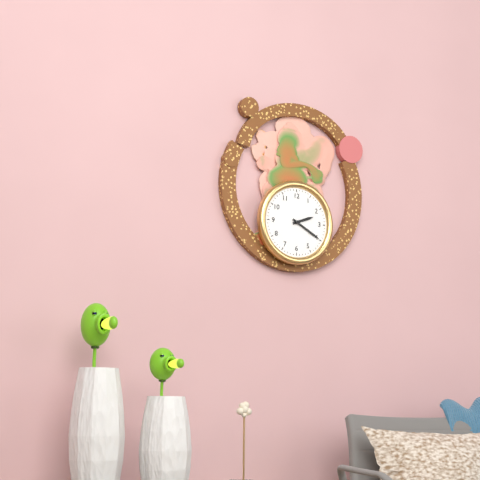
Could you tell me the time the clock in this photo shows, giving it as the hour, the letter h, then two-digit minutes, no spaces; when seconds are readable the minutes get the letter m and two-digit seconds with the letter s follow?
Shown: 2h20
